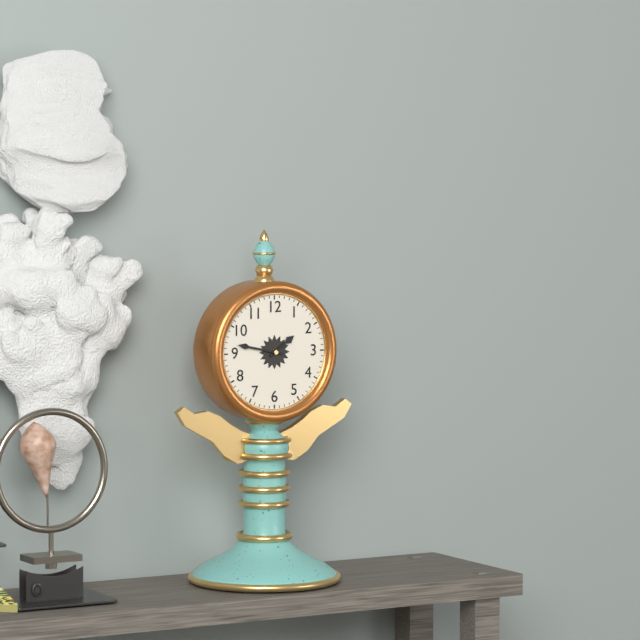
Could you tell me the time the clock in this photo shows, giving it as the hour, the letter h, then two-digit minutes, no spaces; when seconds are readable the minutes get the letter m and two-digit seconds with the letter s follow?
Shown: 1h47
